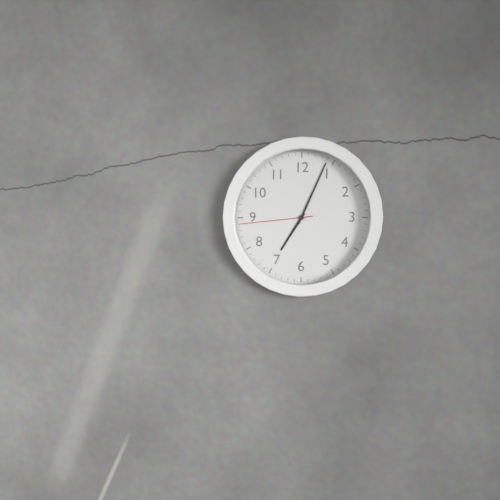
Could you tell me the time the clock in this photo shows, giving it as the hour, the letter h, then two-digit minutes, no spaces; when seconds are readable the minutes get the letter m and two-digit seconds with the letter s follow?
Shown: 7h04m44s
